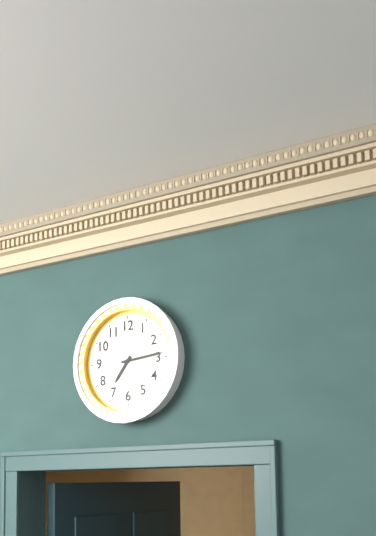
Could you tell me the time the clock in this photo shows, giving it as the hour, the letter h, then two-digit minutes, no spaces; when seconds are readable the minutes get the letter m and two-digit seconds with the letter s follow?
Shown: 7h14
